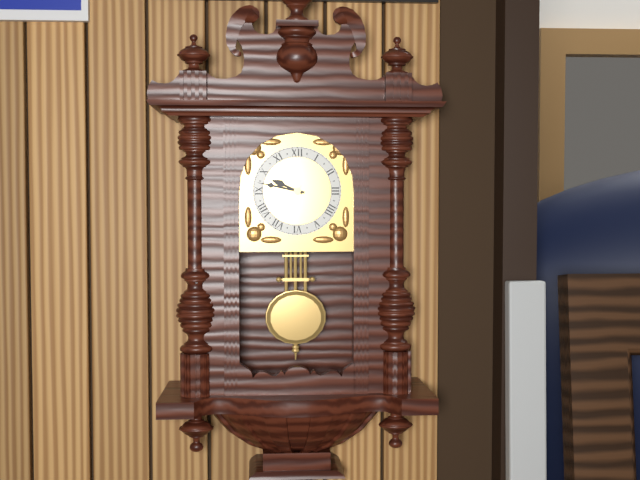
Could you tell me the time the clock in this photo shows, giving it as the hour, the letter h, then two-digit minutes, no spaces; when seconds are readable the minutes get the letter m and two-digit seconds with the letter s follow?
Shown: 9h47
